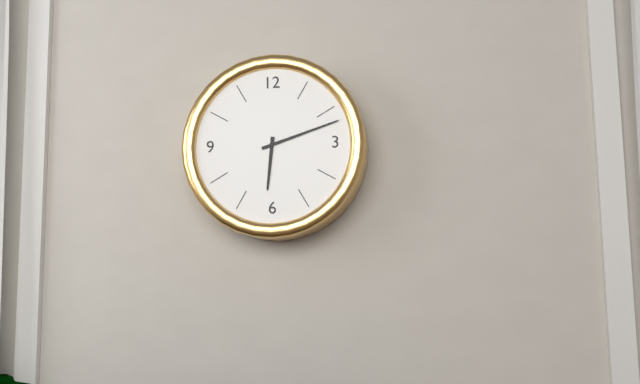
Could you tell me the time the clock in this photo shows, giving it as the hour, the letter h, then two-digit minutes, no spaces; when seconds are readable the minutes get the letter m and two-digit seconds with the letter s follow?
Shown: 6h12
